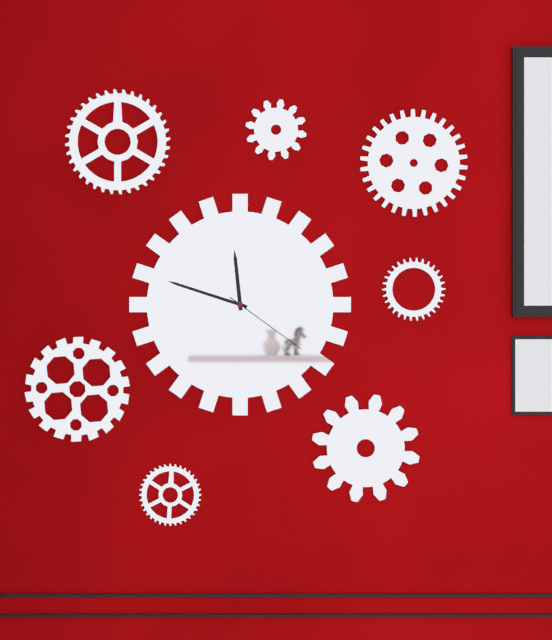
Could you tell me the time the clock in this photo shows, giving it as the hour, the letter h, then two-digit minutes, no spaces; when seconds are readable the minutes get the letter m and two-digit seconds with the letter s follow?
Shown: 11h48m21s
